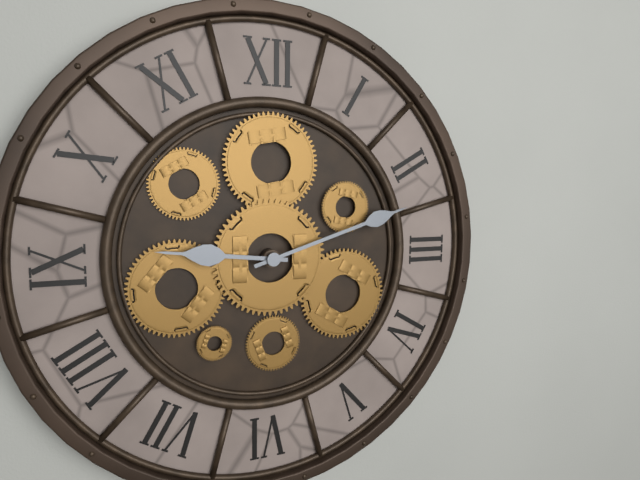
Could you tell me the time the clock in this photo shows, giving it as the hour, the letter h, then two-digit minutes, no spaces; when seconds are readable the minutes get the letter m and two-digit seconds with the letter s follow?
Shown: 9h12
